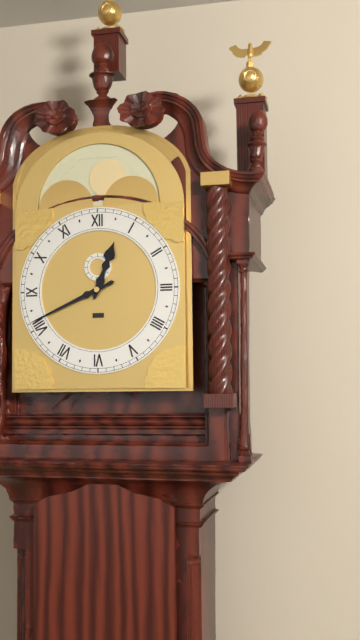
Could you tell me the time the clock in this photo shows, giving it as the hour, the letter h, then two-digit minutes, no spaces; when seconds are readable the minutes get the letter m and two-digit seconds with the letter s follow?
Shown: 12h41
